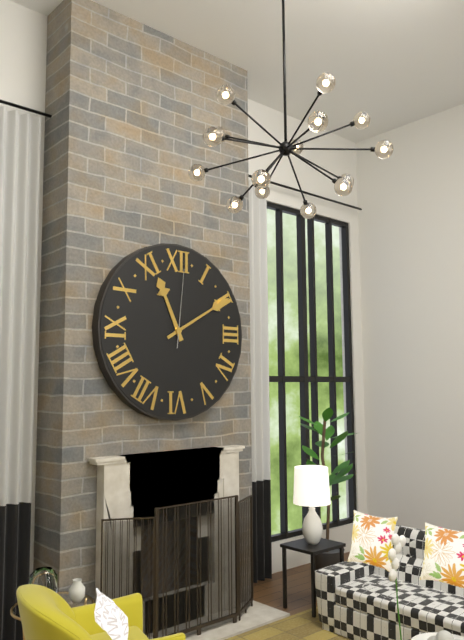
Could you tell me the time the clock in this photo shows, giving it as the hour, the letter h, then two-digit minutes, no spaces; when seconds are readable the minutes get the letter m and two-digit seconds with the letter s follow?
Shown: 11h10m01s
